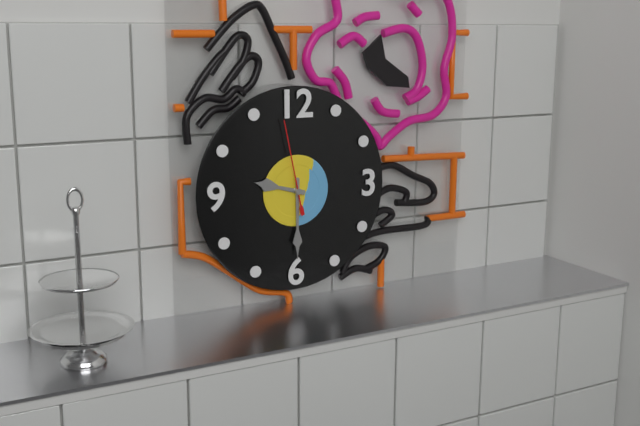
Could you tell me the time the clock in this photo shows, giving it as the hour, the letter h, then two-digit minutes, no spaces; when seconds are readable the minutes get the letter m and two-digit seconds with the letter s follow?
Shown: 9h30m58s
